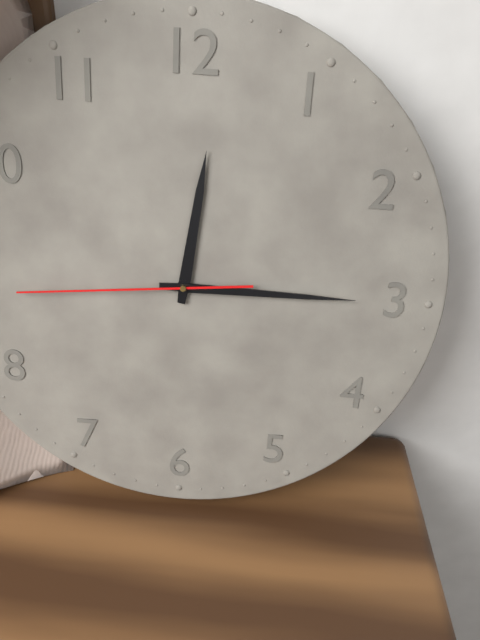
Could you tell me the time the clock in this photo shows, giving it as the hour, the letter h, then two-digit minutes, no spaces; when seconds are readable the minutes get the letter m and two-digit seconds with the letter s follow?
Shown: 12h15m44s
